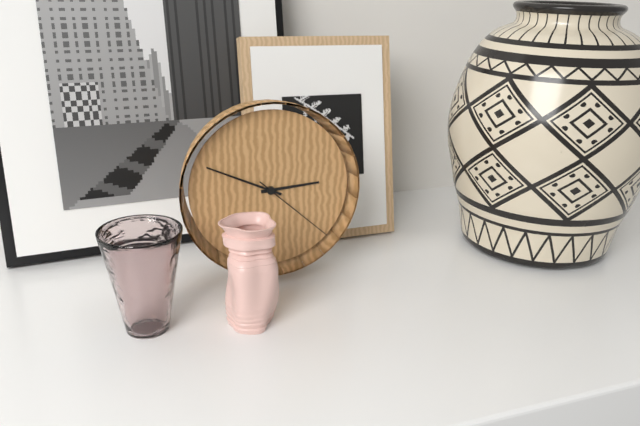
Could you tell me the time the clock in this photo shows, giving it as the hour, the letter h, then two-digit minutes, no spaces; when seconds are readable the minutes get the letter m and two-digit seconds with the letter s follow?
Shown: 2h49m22s
